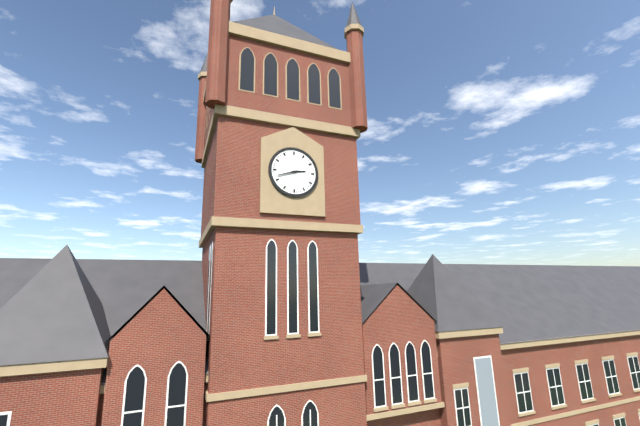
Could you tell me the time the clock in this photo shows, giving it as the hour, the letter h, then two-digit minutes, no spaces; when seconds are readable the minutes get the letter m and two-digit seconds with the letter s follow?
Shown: 2h42
